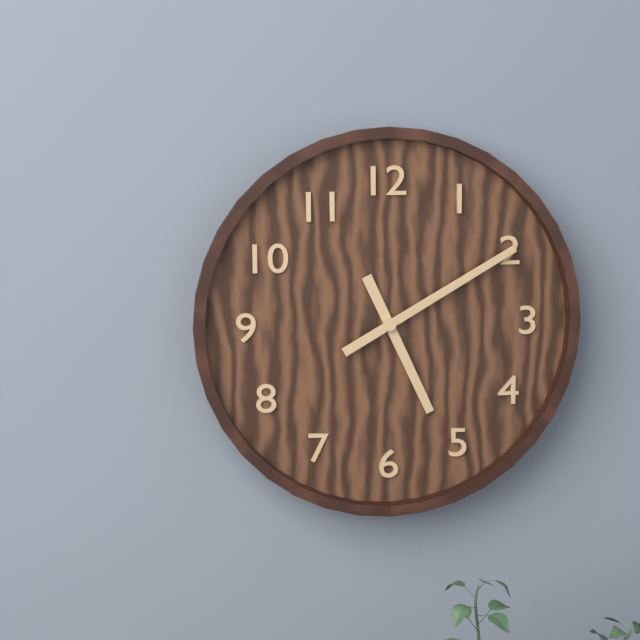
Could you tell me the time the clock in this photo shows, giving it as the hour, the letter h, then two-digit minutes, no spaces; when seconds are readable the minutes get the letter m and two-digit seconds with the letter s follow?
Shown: 5h10
